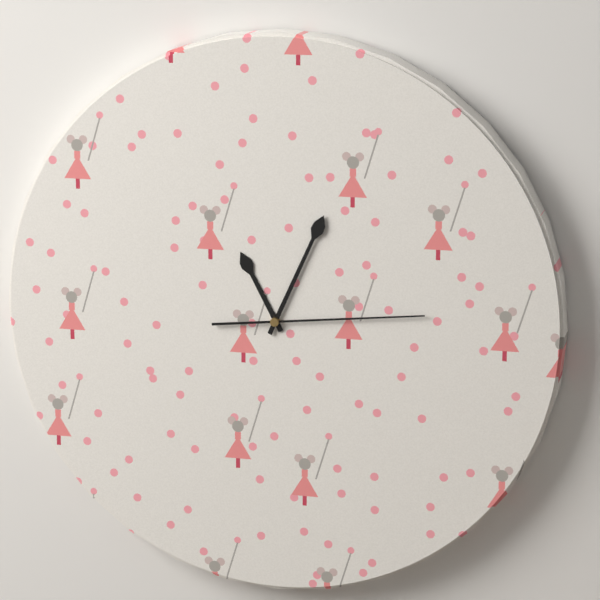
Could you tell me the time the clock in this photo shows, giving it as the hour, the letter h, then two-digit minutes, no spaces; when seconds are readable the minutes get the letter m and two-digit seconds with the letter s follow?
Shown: 11h04m14s
